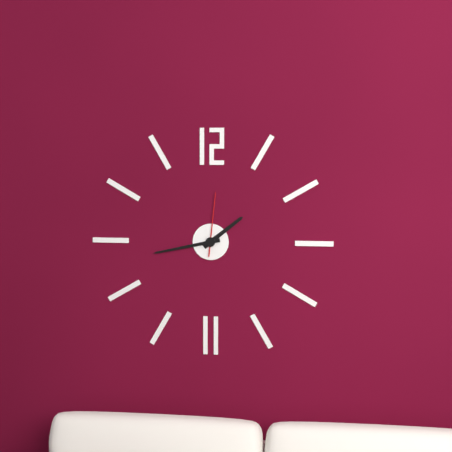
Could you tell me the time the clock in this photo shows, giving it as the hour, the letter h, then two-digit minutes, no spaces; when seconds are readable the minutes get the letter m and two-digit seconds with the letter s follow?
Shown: 1h43m01s
